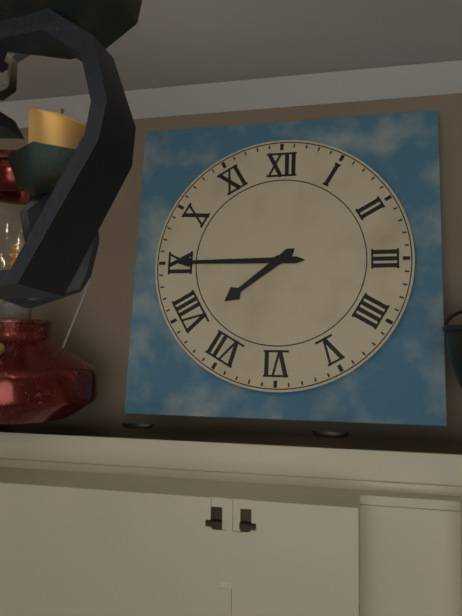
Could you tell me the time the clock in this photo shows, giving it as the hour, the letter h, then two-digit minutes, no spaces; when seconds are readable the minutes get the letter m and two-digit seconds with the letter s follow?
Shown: 7h45
